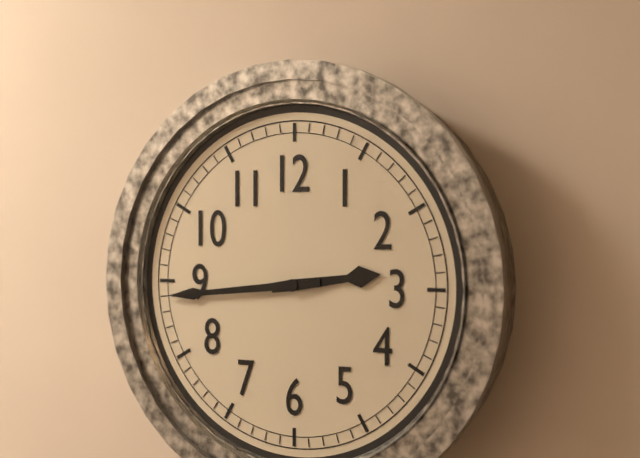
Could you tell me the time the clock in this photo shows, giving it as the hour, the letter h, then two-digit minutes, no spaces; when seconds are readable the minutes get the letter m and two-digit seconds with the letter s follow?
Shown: 2h44
